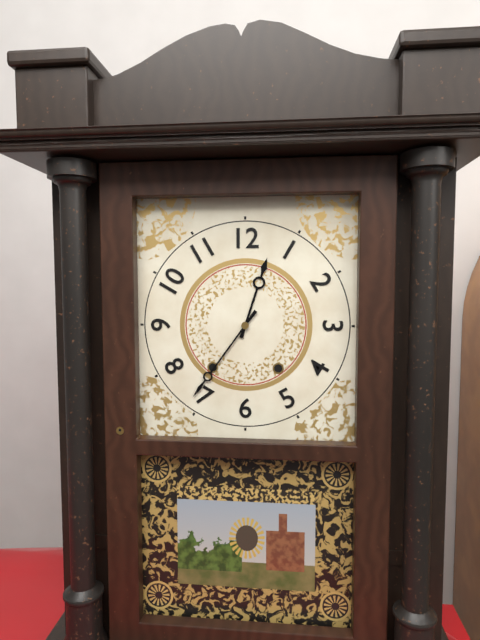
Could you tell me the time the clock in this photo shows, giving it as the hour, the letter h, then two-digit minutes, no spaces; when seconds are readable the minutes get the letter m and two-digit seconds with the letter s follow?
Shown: 12h36
